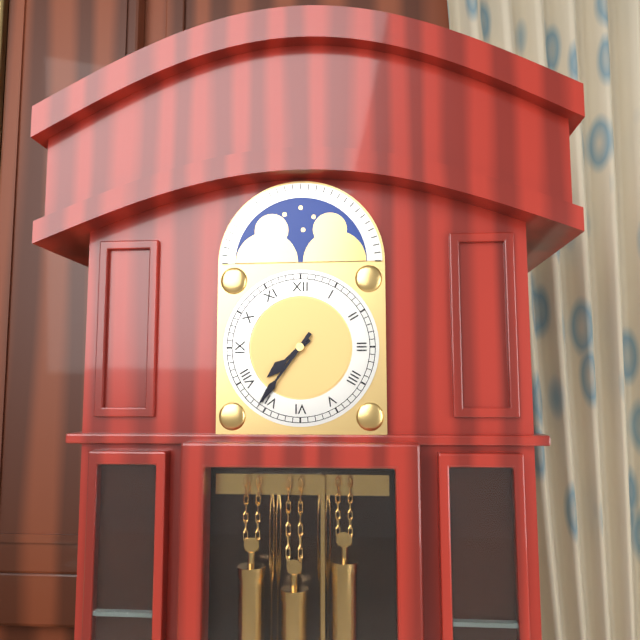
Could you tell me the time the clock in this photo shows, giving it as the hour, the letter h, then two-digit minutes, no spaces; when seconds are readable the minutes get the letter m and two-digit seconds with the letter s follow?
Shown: 7h36
